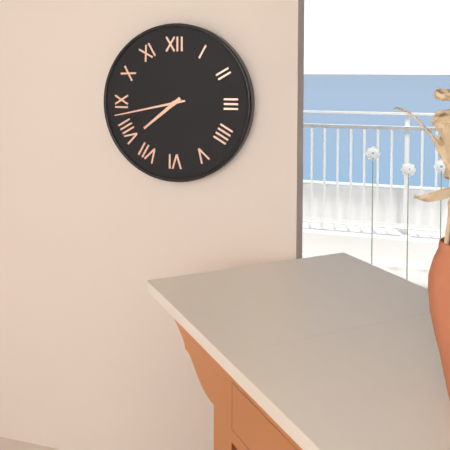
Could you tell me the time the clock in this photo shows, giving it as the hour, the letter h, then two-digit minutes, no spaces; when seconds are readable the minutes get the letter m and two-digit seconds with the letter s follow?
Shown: 7h43
